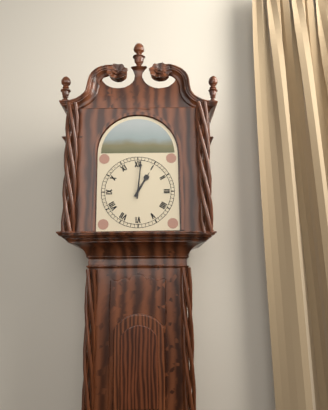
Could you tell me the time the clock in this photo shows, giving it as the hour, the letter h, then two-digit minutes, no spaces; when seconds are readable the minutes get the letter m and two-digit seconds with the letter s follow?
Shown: 1h01
